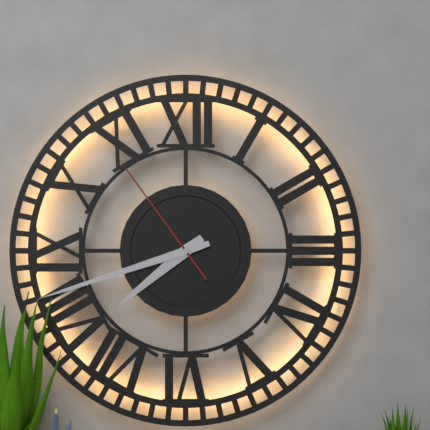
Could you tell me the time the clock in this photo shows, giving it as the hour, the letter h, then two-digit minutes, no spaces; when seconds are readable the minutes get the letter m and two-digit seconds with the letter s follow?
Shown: 7h42m54s
